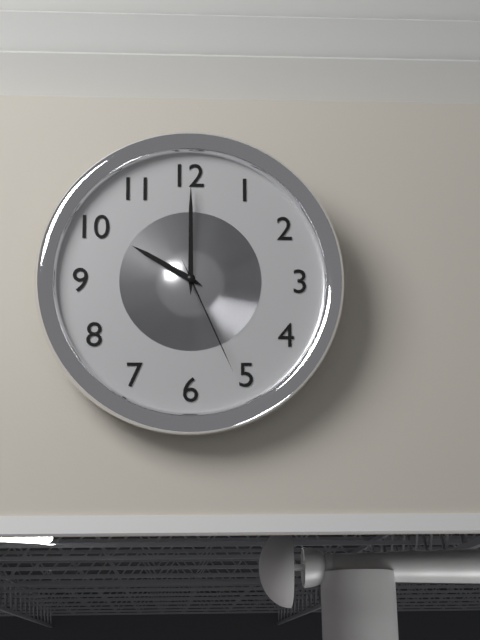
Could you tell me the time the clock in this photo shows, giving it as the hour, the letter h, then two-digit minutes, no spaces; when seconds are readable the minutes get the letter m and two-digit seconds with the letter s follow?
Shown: 10h00m26s
